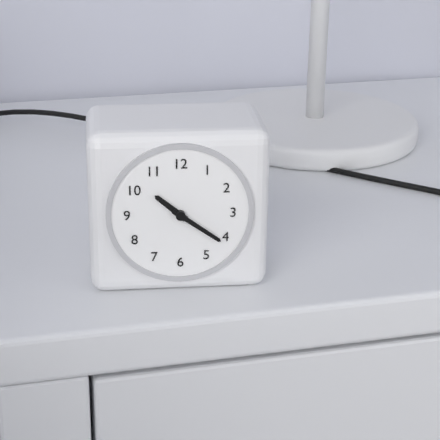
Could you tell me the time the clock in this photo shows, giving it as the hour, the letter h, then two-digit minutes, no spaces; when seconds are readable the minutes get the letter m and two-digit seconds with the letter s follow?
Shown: 10h21
